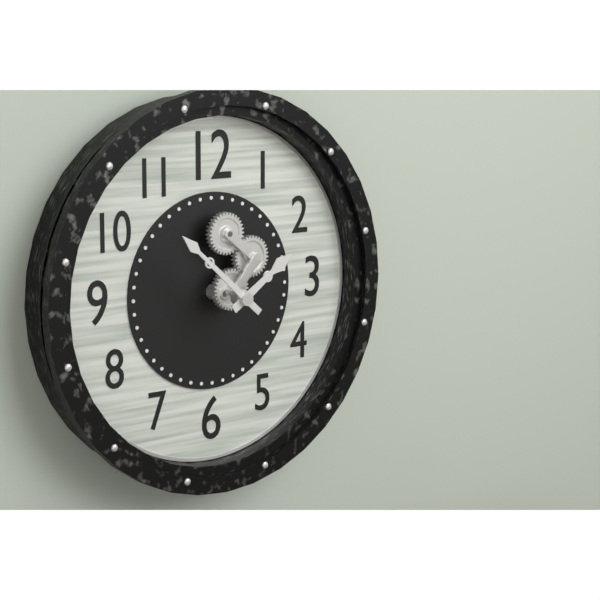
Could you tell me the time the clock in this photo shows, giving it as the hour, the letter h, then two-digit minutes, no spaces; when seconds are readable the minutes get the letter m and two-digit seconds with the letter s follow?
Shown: 1h52
